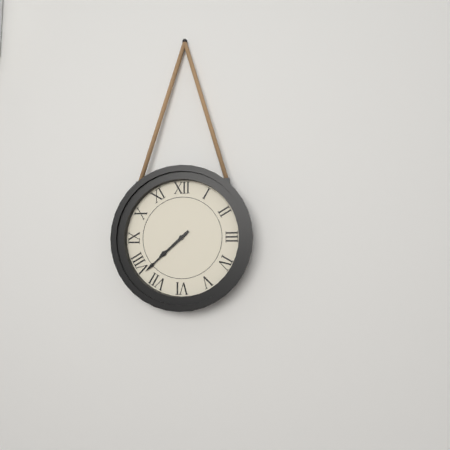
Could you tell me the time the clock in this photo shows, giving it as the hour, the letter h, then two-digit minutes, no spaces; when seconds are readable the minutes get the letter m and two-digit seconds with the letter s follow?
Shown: 7h38
